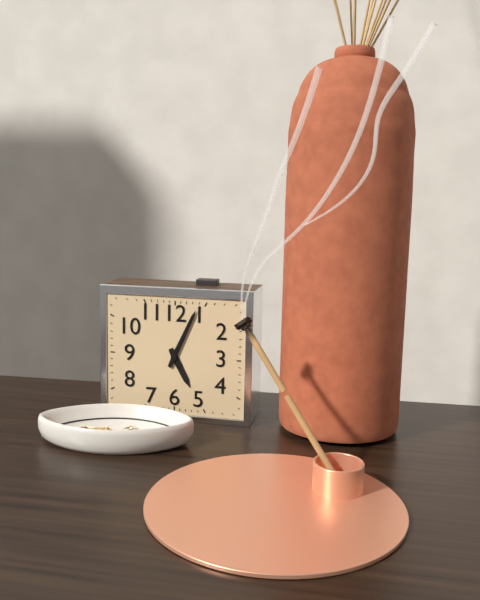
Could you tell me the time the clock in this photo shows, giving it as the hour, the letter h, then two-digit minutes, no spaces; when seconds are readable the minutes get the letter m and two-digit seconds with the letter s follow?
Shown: 5h04
